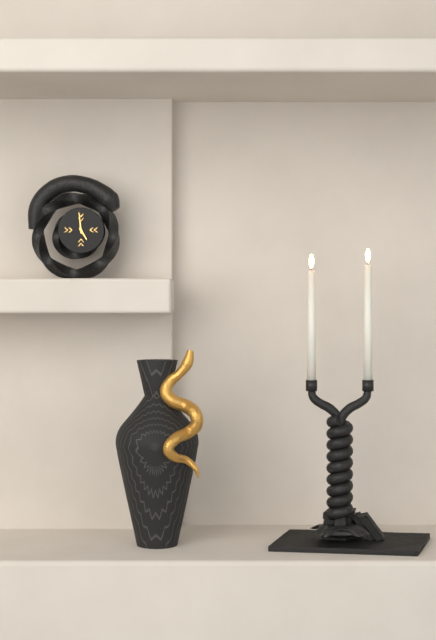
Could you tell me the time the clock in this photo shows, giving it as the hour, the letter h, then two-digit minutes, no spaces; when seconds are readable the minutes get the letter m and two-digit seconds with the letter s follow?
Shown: 4h59
